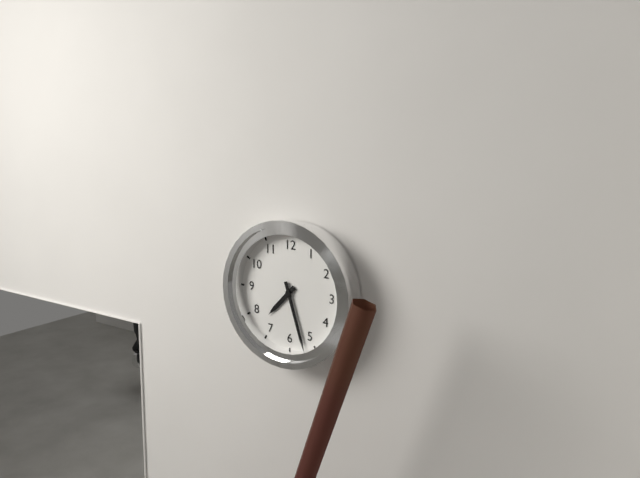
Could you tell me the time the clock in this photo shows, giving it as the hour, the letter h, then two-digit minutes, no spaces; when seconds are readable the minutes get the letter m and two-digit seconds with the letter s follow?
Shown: 7h27
